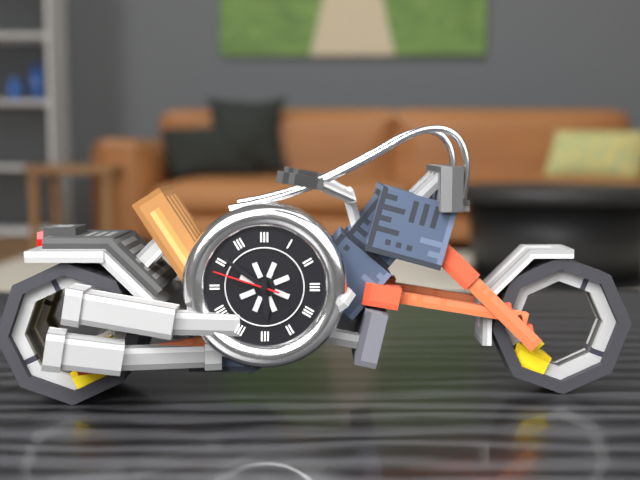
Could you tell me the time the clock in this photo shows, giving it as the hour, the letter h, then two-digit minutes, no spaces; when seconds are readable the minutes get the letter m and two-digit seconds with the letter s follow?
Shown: 5h51m48s
